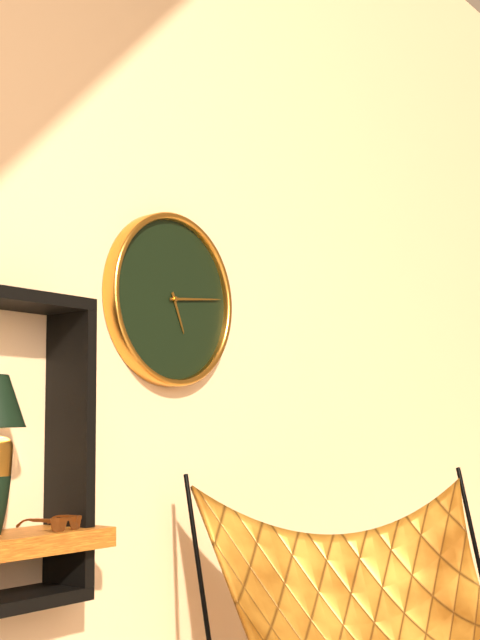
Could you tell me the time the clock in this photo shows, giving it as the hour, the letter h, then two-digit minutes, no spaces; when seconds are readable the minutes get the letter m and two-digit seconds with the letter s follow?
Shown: 5h14
